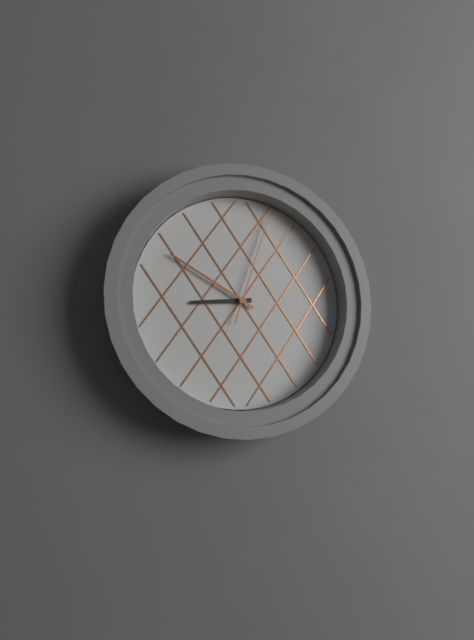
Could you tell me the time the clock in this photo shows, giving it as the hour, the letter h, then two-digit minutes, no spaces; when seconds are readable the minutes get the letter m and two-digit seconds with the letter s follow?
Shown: 8h50m03s
